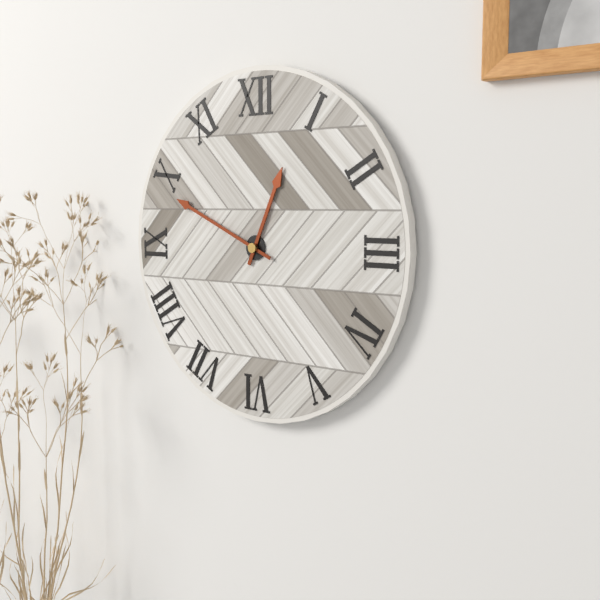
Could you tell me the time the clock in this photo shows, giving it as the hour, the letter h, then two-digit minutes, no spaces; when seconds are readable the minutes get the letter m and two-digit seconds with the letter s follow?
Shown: 12h49
